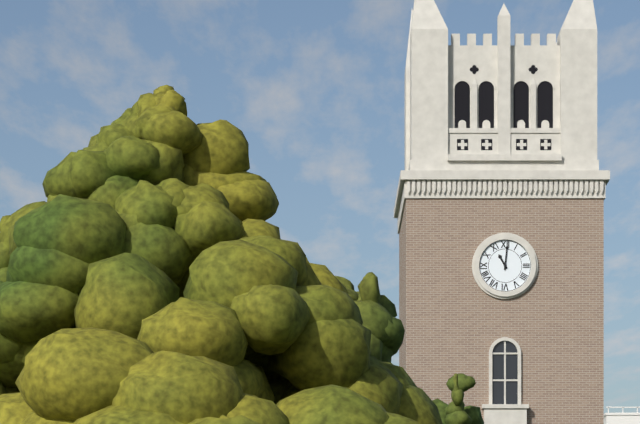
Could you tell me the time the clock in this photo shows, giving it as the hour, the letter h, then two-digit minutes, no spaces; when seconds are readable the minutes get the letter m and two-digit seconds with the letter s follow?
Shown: 11h01
